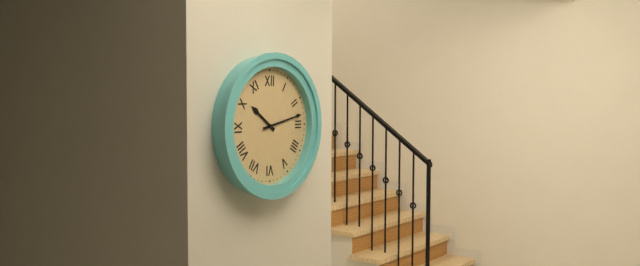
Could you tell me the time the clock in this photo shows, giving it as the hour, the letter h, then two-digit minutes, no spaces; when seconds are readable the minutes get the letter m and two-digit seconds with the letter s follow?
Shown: 10h13
